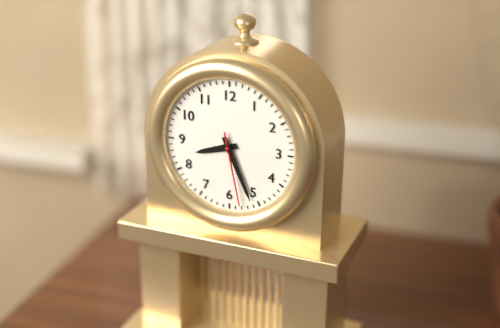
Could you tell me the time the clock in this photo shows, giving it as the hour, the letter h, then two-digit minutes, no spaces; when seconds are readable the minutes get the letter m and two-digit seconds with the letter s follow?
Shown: 8h26m28s
